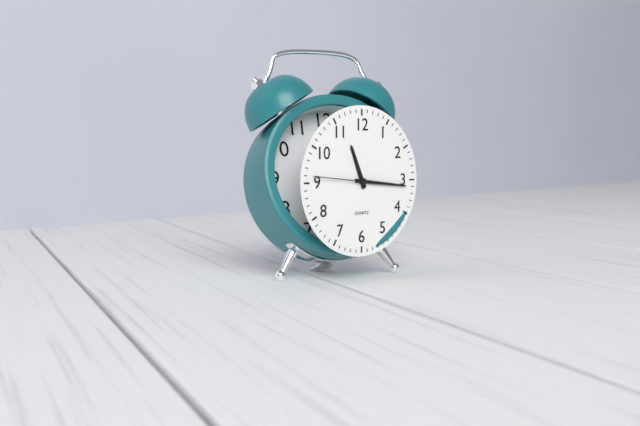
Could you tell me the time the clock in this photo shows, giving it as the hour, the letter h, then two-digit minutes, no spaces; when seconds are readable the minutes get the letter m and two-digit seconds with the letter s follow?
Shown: 11h16m46s
